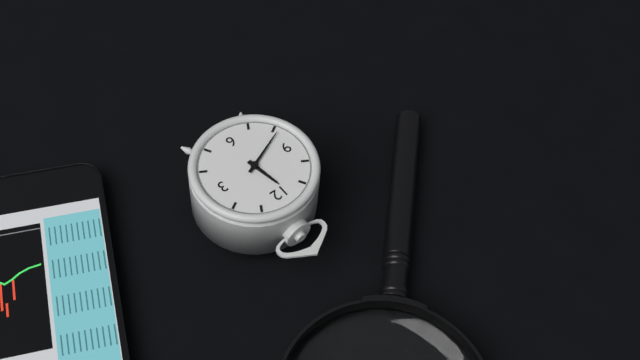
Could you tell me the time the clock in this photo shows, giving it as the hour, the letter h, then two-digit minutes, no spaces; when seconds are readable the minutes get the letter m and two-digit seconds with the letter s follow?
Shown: 11h41
